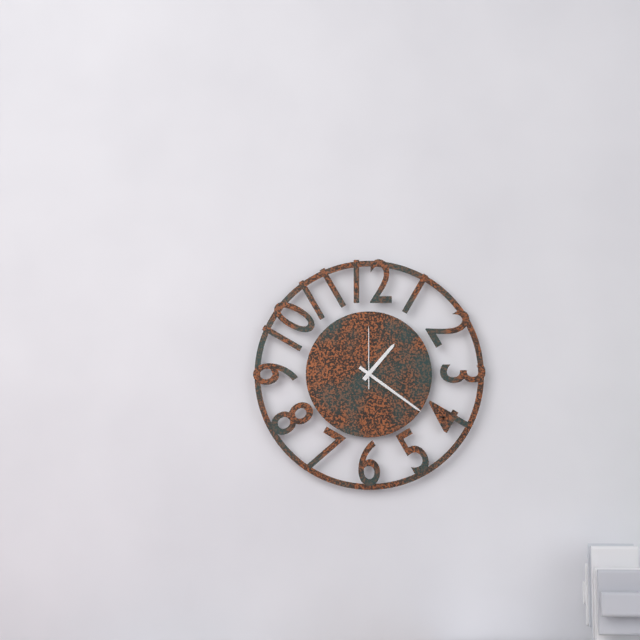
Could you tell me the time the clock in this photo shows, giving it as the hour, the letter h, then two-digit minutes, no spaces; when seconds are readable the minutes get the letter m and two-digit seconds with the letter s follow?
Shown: 1h21m00s
